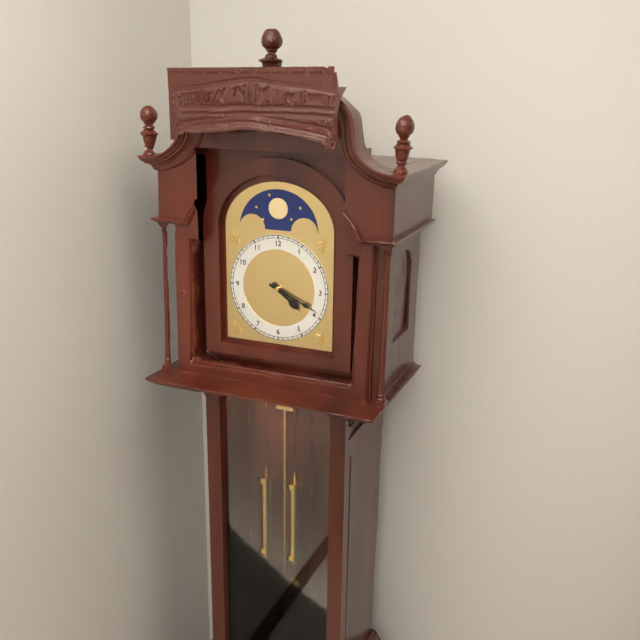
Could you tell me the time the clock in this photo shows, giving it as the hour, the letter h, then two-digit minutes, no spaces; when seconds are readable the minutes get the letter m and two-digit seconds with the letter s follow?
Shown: 4h19
